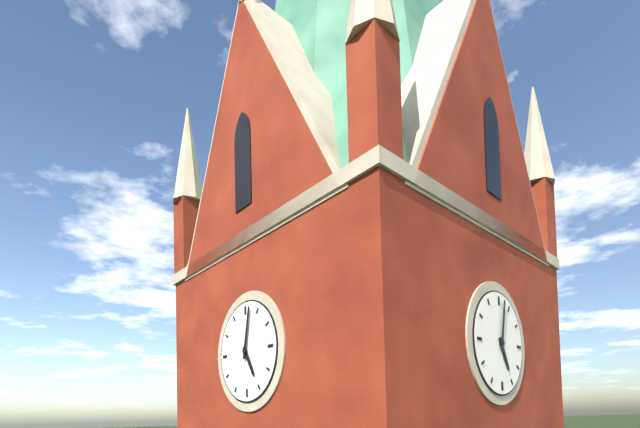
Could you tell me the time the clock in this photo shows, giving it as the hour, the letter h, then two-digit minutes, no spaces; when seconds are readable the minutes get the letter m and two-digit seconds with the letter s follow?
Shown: 5h02
